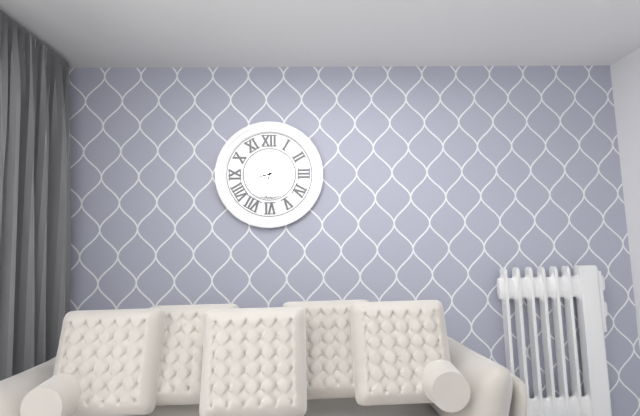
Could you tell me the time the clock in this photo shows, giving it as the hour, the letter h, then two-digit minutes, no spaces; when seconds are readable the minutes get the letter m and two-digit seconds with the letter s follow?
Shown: 8h32
